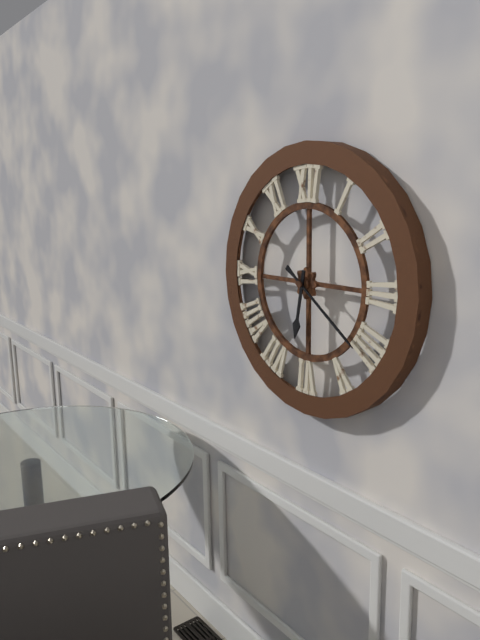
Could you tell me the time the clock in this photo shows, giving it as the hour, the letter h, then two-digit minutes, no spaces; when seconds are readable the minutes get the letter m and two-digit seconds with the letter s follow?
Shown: 6h21
